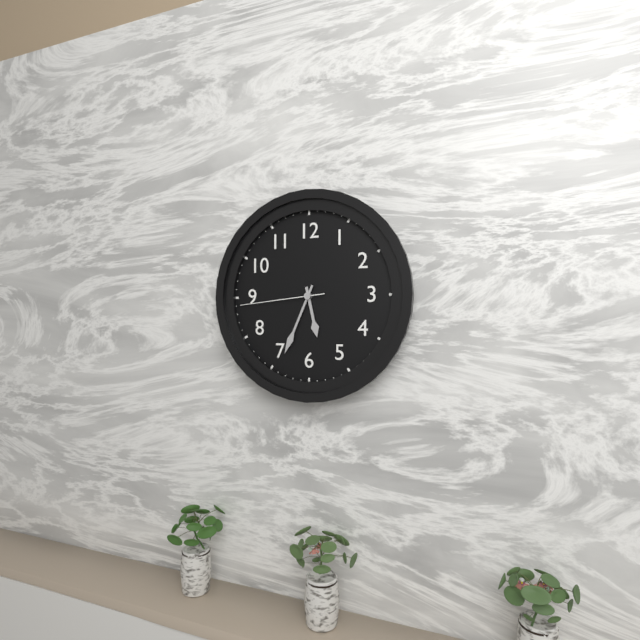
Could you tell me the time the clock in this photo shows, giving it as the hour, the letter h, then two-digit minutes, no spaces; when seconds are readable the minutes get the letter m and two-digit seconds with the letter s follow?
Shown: 5h34m44s
